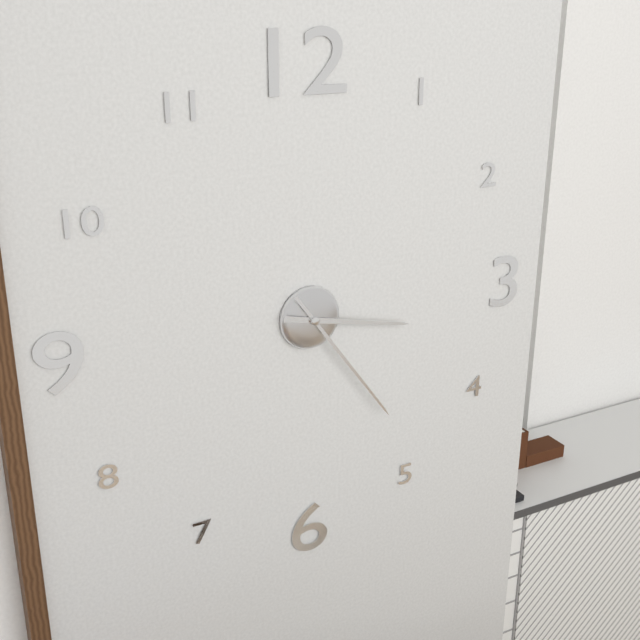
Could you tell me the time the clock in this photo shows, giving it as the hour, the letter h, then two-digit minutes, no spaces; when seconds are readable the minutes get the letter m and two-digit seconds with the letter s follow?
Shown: 3h24
